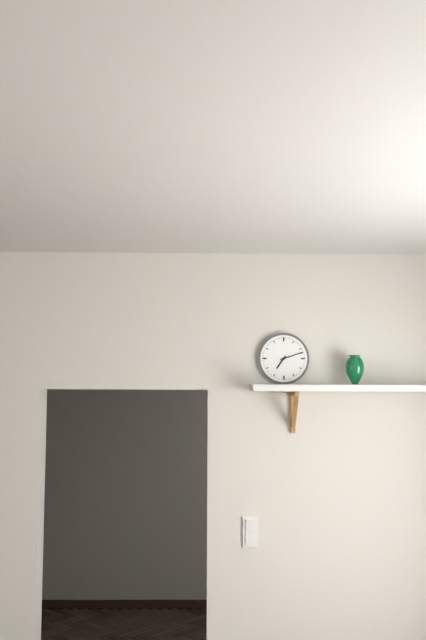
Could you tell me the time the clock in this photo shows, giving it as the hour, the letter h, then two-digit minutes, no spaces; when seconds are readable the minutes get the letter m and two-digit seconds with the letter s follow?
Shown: 7h12
